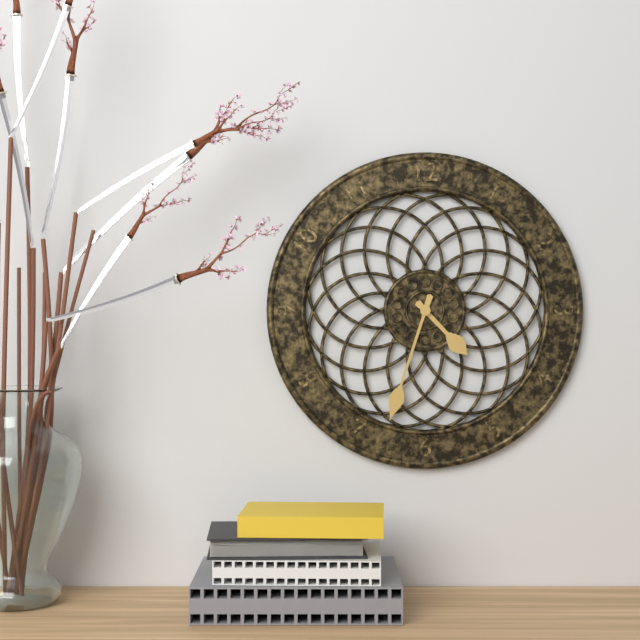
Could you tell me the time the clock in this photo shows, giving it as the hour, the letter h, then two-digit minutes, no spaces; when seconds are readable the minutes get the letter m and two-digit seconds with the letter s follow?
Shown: 4h33
